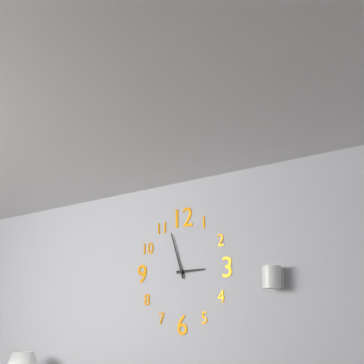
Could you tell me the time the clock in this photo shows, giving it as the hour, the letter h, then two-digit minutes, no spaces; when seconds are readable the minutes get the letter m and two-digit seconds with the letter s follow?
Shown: 2h57
